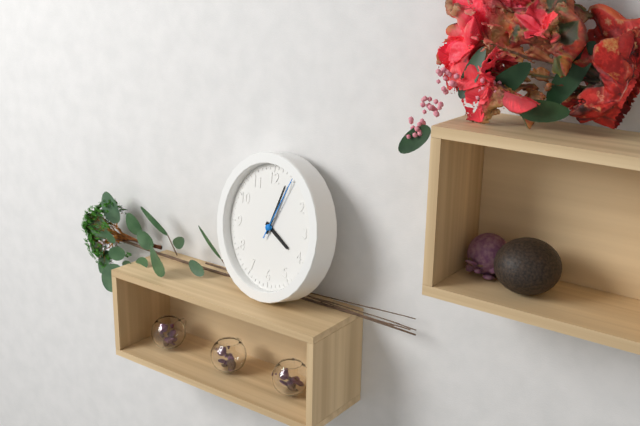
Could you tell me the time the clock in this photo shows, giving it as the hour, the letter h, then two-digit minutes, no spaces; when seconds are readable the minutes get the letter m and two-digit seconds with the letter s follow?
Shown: 4h04m05s
